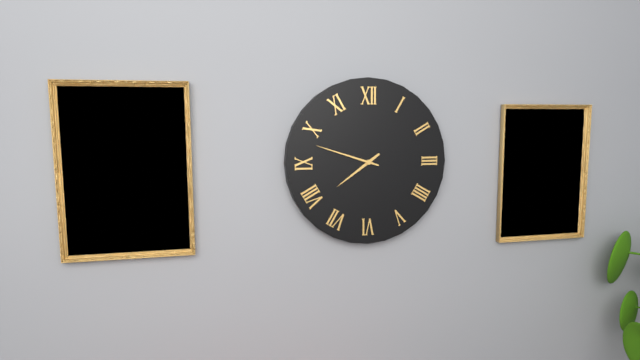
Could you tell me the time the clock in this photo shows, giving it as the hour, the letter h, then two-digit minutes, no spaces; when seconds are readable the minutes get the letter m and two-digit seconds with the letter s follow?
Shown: 7h48
